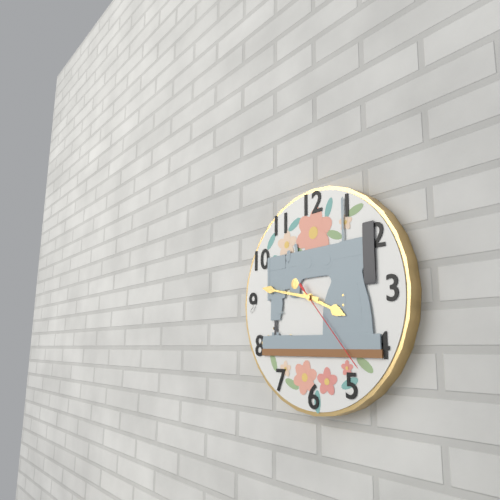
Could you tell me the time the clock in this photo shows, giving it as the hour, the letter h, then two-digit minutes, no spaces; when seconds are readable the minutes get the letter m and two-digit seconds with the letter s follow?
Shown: 3h47m23s
